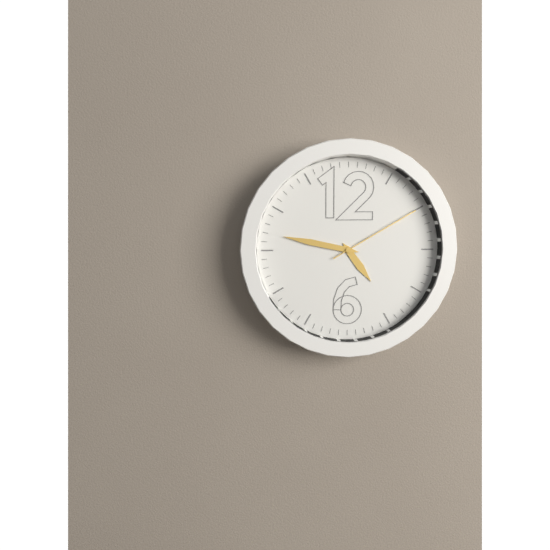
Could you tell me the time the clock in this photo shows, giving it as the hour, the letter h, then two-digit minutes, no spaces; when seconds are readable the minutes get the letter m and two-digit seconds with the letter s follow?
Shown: 4h47m10s
